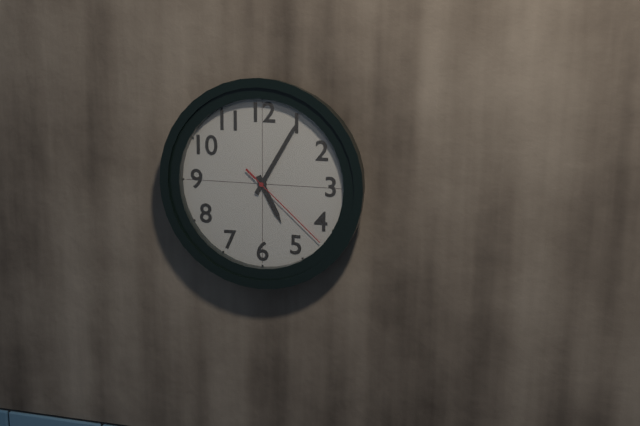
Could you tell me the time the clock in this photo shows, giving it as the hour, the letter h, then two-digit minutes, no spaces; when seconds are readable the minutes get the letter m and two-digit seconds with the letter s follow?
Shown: 5h05m22s
